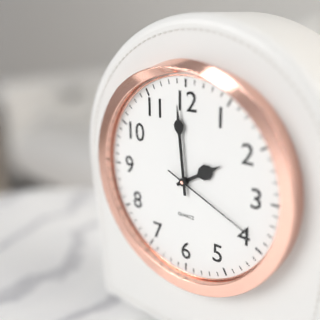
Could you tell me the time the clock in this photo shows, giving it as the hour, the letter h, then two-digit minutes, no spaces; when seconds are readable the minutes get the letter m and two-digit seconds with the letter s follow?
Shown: 1h59m19s
